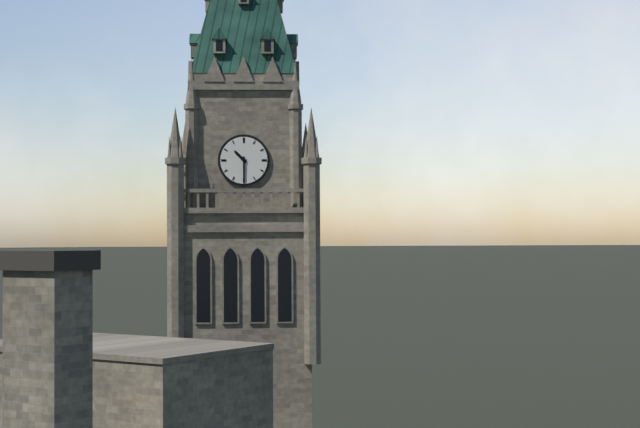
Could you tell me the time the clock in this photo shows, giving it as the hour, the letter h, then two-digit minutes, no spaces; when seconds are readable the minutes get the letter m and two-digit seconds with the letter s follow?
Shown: 10h30
